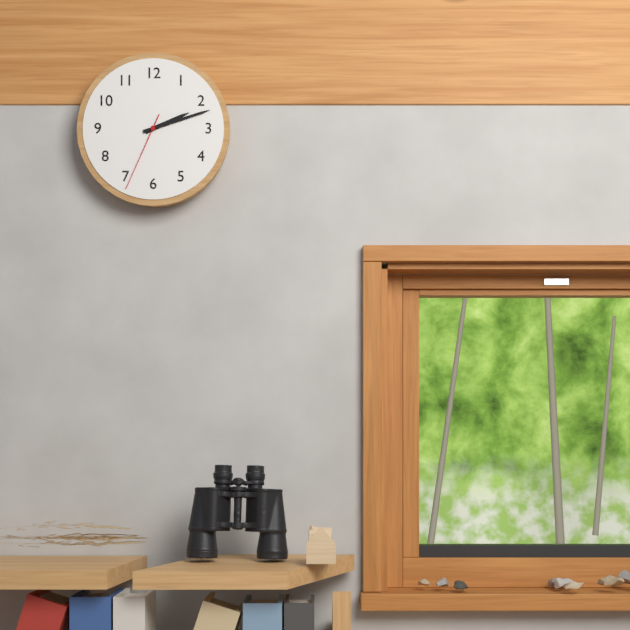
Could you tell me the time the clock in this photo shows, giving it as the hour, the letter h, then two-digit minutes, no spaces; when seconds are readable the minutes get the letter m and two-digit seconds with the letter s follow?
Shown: 2h12m34s
